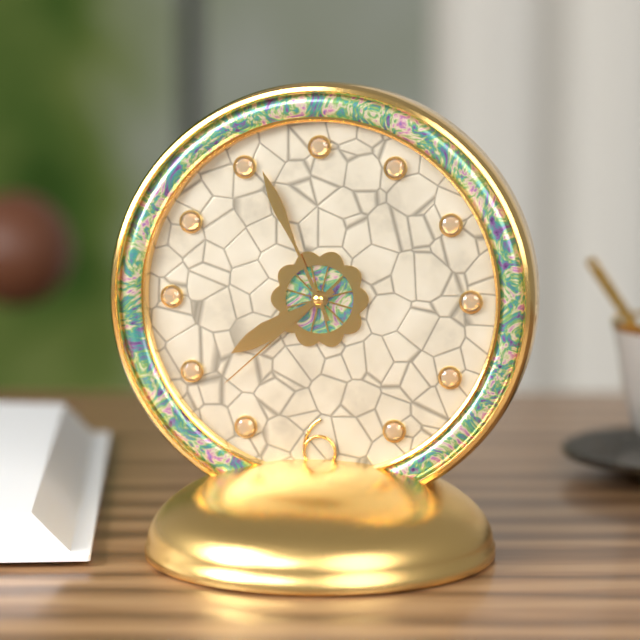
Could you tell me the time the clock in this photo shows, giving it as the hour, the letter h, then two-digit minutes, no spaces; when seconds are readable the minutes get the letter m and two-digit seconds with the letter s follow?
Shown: 7h56m38s
